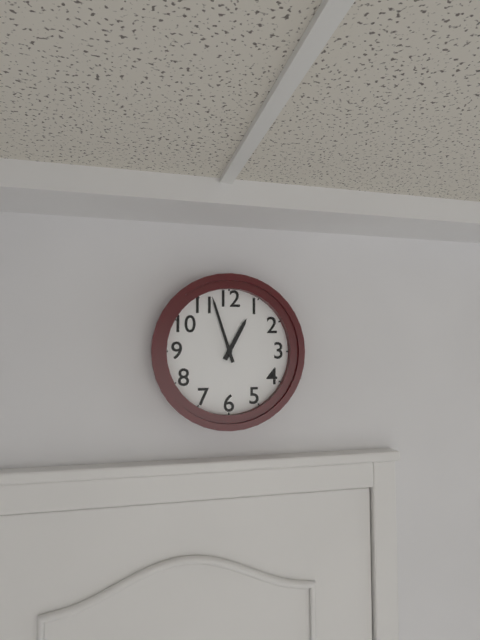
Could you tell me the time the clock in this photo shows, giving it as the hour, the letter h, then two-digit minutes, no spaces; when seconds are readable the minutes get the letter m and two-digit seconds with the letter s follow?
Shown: 12h57
